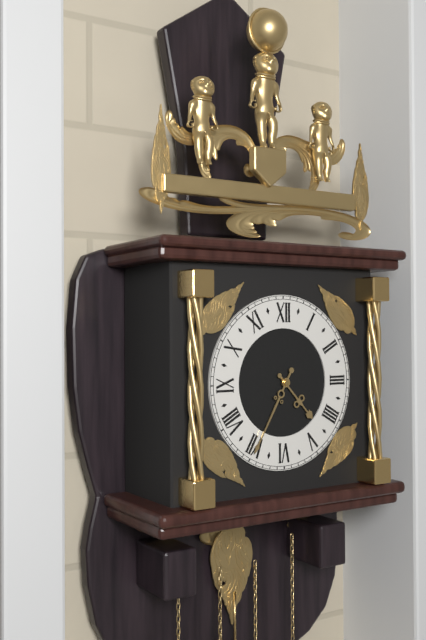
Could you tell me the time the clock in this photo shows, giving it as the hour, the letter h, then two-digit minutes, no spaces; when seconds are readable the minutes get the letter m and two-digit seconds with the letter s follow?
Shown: 4h35
